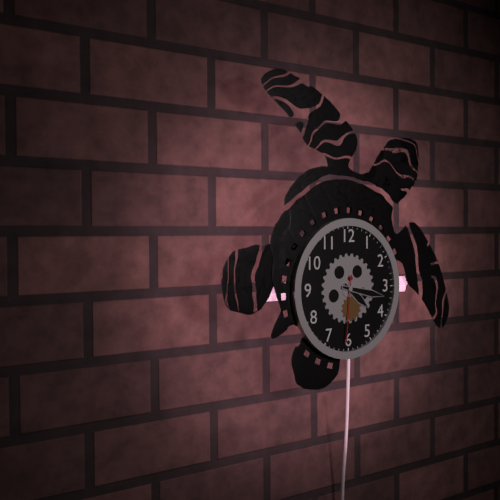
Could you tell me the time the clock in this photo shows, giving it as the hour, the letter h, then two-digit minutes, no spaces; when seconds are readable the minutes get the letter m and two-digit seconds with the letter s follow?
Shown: 4h17m31s
